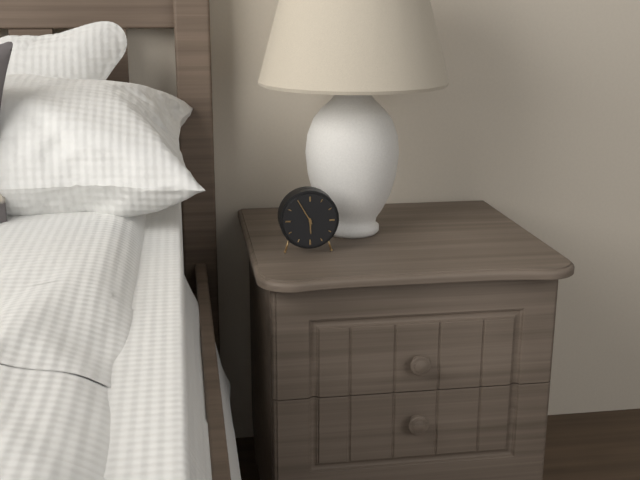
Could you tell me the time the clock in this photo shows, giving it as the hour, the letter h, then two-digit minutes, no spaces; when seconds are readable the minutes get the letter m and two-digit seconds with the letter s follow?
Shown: 5h55
